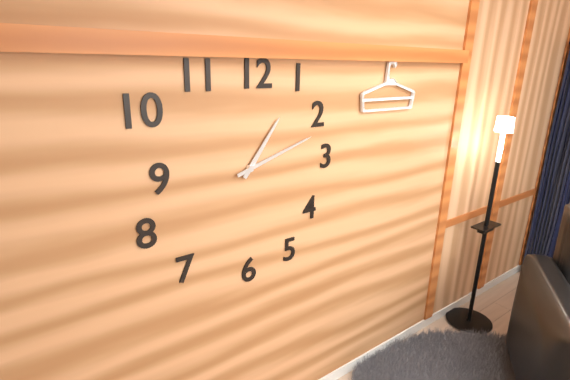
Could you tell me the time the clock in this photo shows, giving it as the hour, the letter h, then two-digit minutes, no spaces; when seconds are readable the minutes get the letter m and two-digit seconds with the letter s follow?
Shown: 1h12
